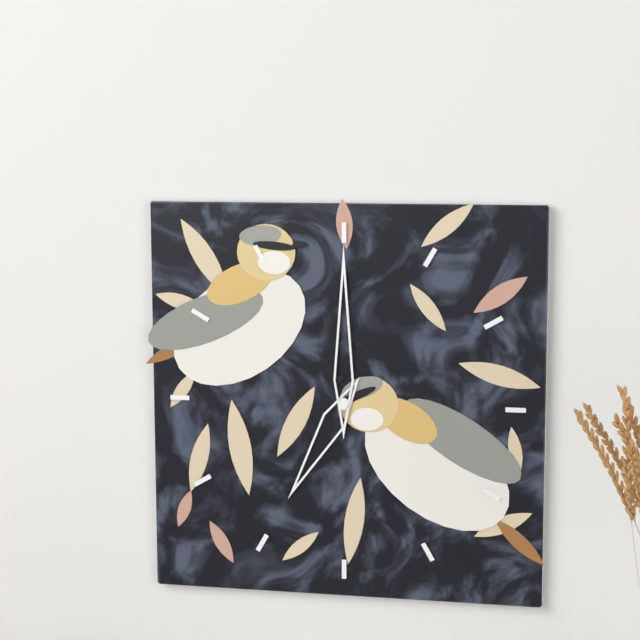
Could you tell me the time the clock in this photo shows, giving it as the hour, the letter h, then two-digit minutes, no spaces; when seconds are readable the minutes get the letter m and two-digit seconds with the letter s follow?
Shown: 7h00
